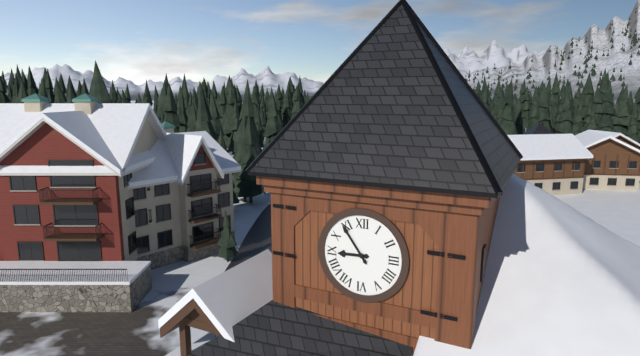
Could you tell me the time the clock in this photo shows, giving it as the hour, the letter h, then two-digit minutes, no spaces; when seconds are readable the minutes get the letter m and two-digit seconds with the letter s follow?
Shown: 8h54
